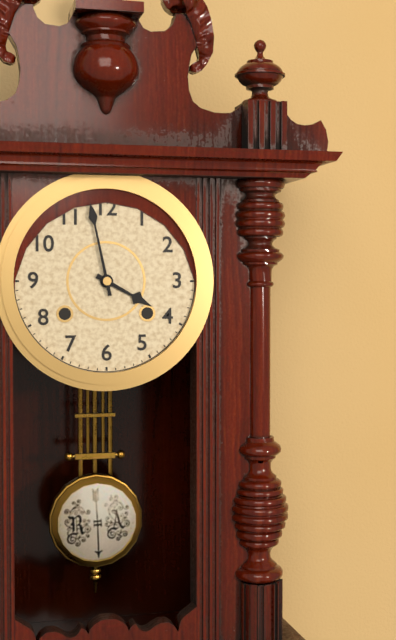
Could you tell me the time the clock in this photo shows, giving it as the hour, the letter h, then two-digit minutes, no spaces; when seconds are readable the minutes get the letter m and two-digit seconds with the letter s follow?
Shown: 3h58
